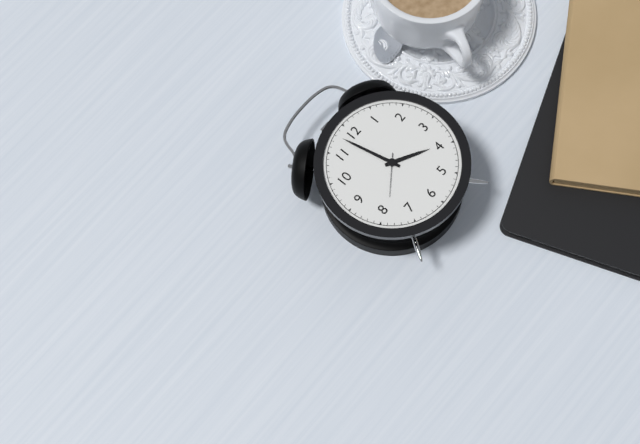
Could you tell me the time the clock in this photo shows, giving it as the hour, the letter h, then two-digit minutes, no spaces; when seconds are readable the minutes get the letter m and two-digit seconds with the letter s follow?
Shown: 3h58
